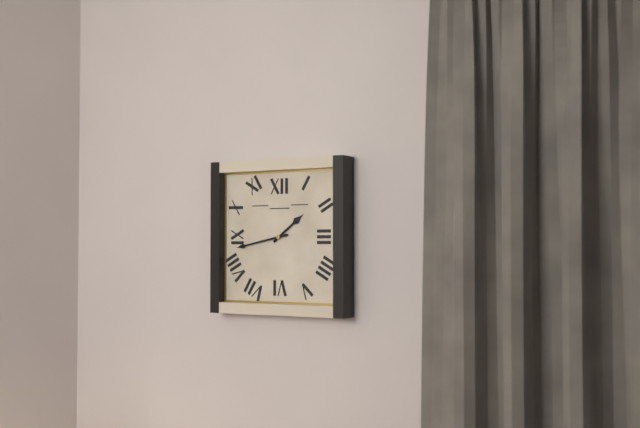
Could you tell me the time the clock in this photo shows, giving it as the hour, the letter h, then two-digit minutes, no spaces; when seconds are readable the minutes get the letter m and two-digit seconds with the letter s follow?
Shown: 1h43
